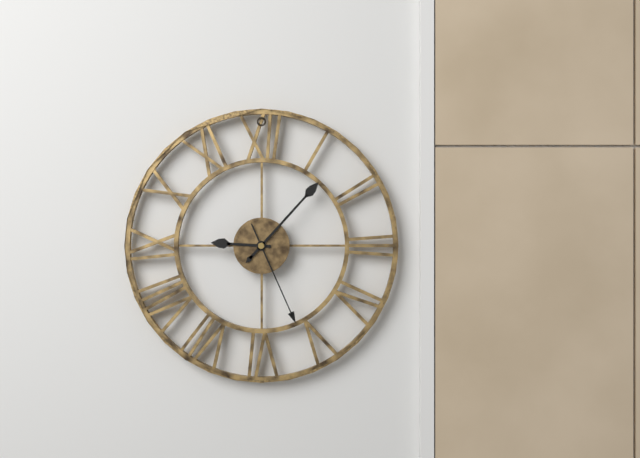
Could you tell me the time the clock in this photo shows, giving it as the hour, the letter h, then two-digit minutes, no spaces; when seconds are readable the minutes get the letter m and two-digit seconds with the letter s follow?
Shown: 9h07m26s
